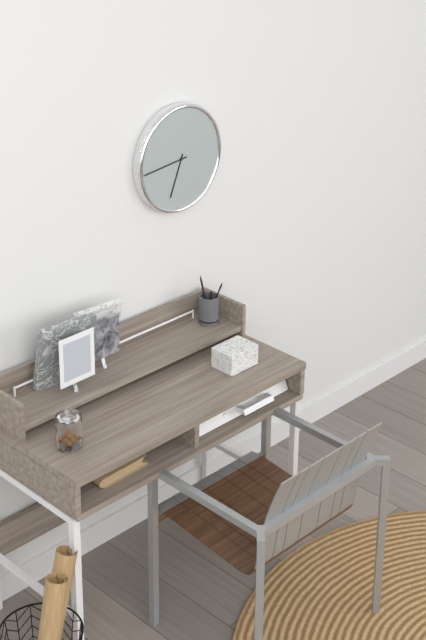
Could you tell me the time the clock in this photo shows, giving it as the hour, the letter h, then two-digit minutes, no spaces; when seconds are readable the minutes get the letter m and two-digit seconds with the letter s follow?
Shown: 6h44
